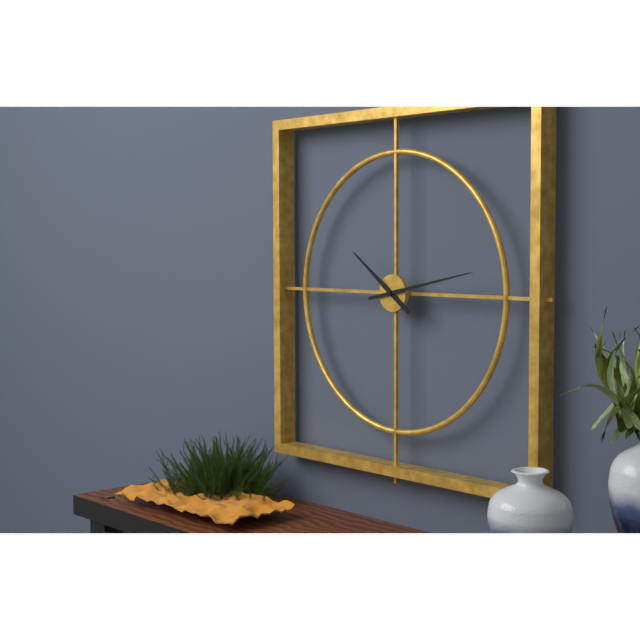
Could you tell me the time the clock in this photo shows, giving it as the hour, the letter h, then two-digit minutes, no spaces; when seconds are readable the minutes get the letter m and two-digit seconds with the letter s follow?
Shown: 10h13
